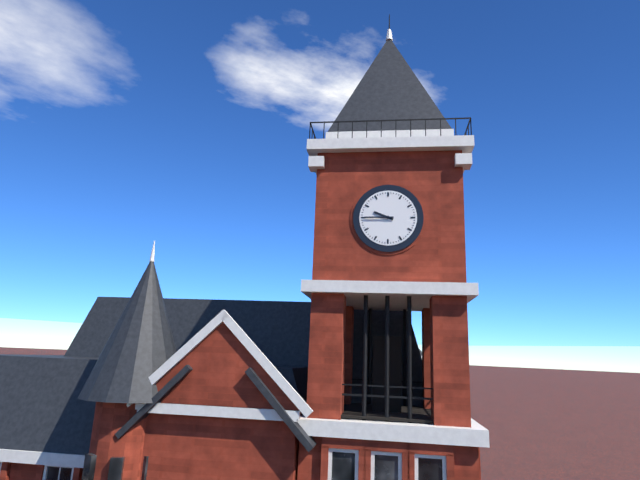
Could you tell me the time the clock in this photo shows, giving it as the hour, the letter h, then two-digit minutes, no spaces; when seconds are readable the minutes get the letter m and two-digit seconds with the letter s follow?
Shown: 9h45
